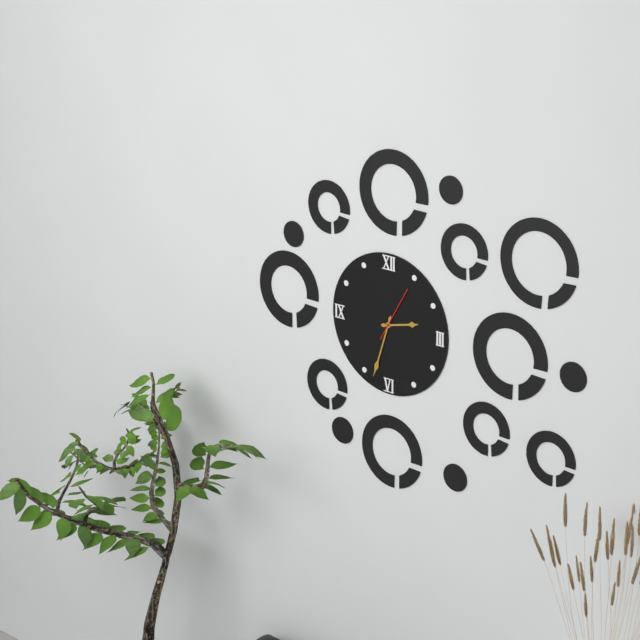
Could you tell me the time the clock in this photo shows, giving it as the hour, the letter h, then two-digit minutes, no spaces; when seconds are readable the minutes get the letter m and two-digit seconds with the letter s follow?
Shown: 2h33
